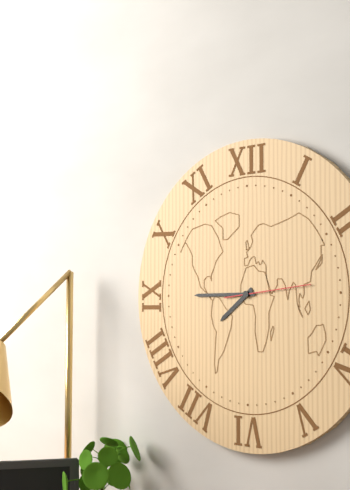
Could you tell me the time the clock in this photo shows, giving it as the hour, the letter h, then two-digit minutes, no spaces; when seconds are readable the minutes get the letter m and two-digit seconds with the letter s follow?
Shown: 7h45m14s
